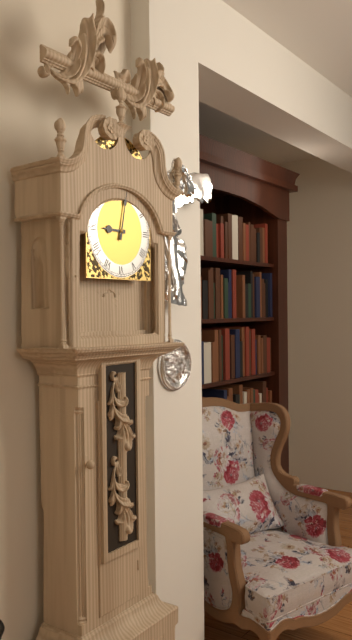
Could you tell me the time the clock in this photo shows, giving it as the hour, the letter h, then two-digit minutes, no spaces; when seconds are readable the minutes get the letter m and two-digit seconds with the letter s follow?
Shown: 9h02
